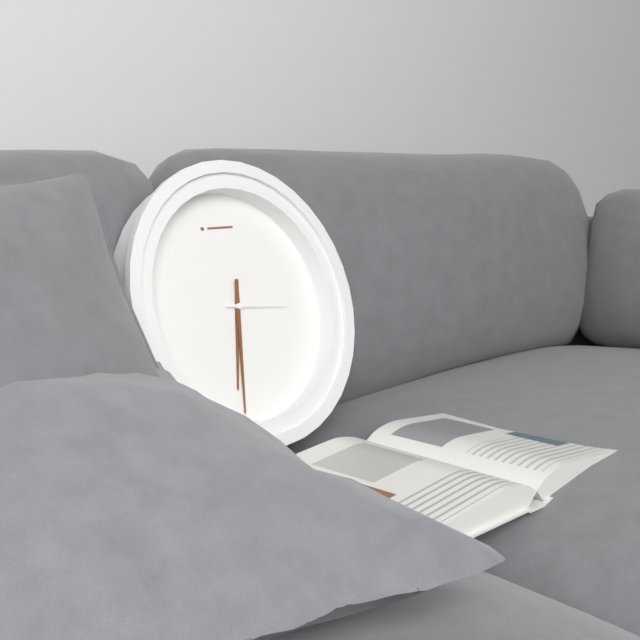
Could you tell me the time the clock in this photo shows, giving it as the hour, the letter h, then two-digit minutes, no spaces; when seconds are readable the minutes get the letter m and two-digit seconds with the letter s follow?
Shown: 6h32m16s
